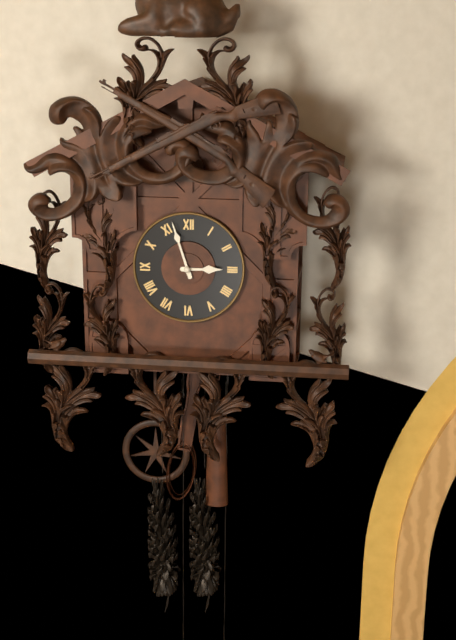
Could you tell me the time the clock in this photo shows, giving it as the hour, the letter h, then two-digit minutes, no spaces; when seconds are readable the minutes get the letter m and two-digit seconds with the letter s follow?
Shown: 2h57
